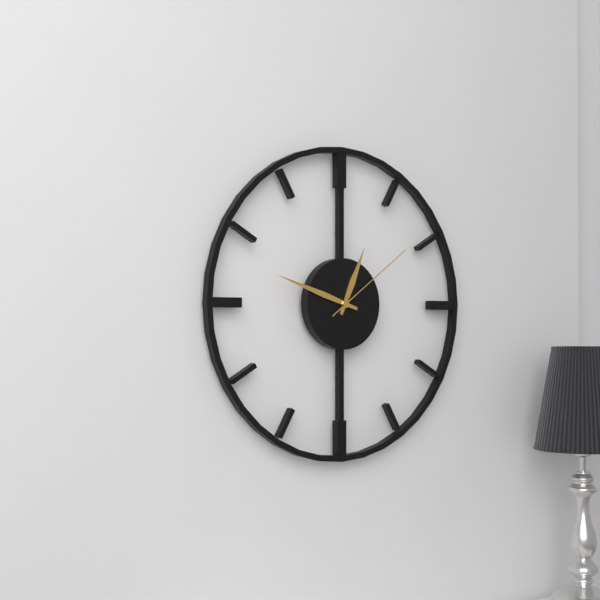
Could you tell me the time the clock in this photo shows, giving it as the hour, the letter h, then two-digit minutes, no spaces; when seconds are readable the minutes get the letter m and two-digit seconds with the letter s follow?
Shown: 12h48m09s
